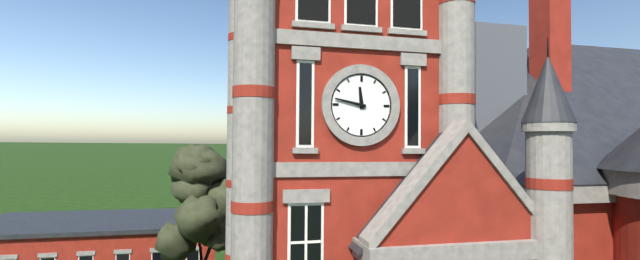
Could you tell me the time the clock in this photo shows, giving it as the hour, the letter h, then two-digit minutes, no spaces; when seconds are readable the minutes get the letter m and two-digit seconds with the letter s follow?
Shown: 11h47
